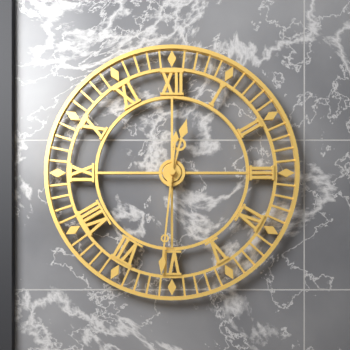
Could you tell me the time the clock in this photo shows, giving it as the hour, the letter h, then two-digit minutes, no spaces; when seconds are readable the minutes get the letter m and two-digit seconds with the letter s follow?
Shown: 12h31
